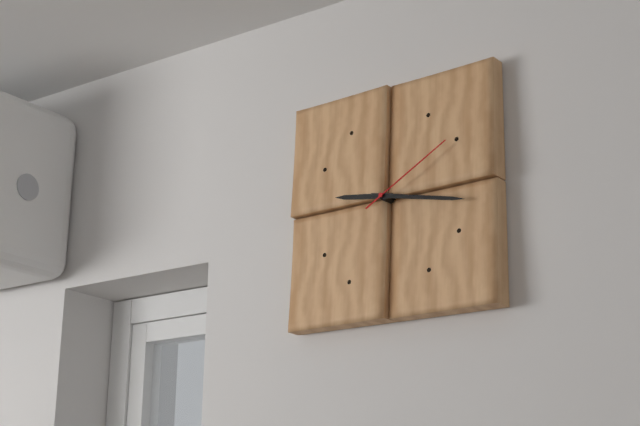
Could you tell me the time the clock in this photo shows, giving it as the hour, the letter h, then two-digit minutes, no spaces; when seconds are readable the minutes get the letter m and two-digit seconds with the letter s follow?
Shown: 9h17m10s
